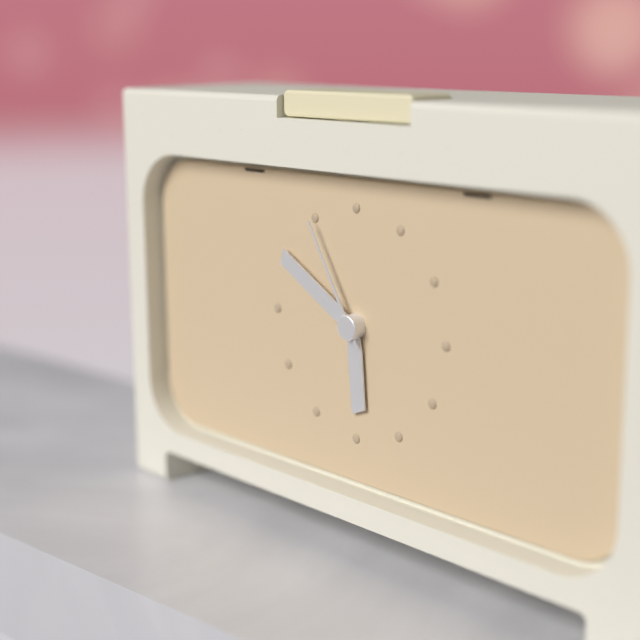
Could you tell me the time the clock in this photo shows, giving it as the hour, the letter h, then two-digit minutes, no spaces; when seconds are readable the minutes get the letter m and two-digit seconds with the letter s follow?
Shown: 5h50m55s
